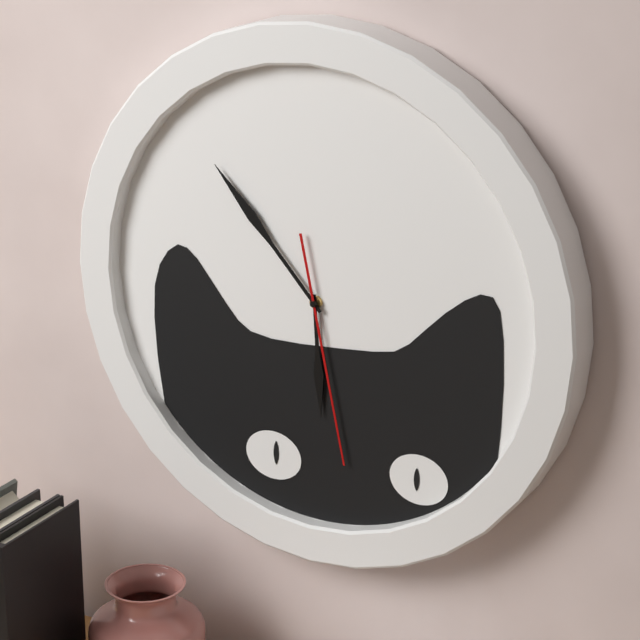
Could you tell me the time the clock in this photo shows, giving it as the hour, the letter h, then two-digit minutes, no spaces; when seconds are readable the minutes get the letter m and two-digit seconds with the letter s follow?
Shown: 5h53m28s
